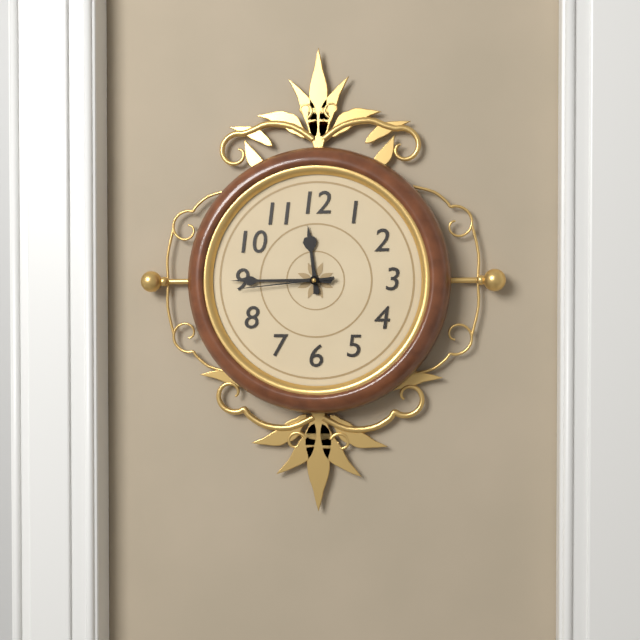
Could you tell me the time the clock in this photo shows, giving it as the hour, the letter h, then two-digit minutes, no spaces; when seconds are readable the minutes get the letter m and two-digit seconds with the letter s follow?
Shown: 11h45m44s
